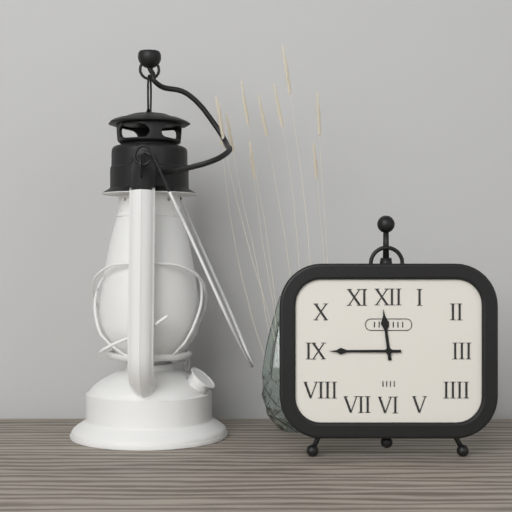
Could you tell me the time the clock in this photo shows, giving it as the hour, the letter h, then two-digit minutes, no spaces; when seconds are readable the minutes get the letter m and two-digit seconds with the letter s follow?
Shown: 11h45
